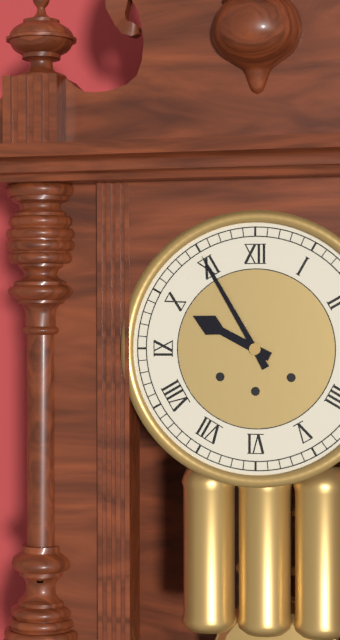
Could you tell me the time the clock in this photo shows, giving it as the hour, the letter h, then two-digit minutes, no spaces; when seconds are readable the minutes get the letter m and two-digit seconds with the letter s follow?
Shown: 9h55
